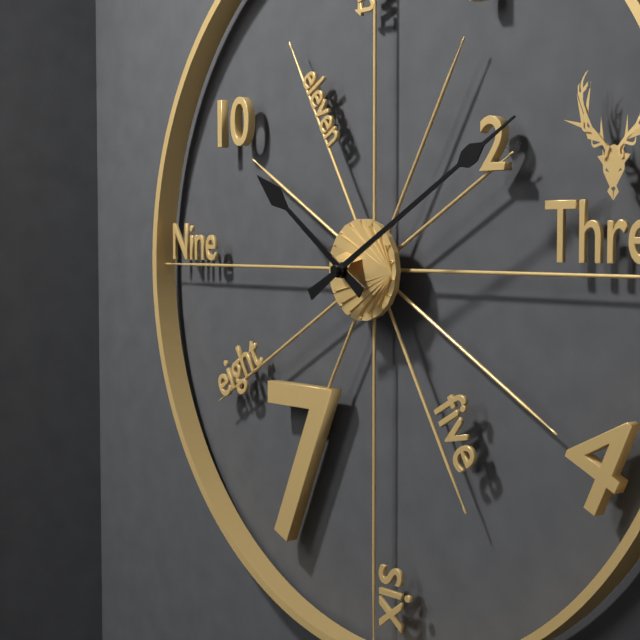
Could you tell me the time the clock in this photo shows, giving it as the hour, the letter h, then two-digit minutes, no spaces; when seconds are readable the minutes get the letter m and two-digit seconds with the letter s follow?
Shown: 10h10
